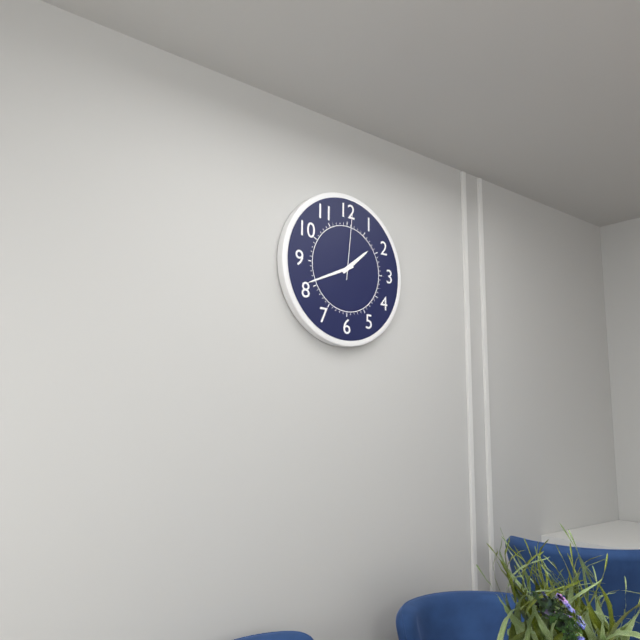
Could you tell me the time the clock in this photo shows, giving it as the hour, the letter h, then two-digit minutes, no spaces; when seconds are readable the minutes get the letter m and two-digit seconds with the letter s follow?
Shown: 1h41m01s
